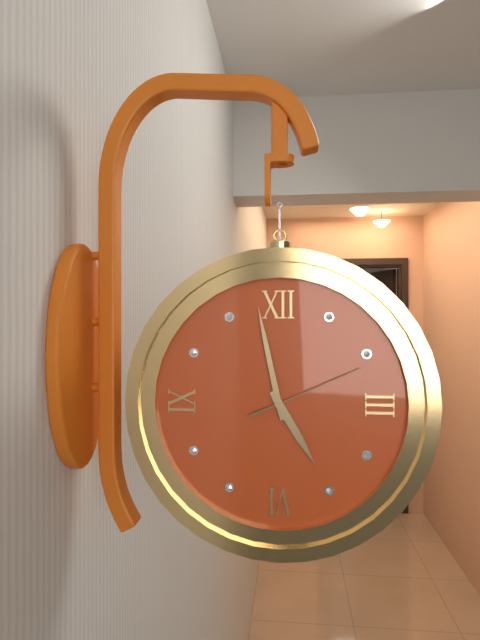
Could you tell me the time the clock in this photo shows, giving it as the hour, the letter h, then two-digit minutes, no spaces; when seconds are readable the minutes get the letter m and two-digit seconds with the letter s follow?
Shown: 4h58m11s
